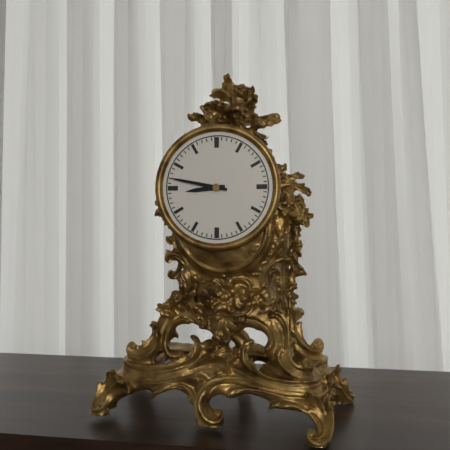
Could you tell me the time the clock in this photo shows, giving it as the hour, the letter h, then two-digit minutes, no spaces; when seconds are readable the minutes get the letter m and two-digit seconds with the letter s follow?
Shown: 8h47
